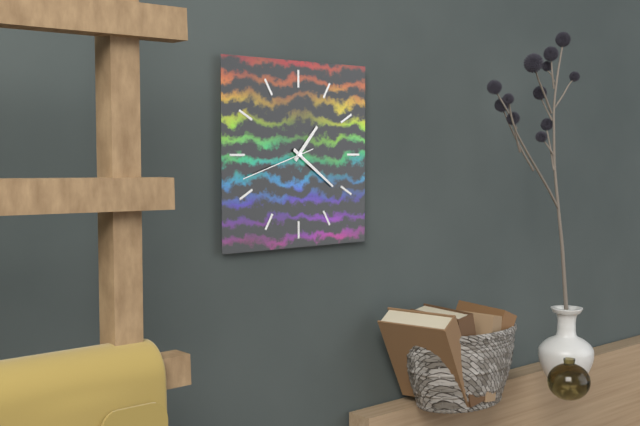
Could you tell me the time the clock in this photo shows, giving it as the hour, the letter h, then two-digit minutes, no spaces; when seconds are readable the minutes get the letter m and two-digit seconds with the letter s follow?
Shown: 1h21m42s
